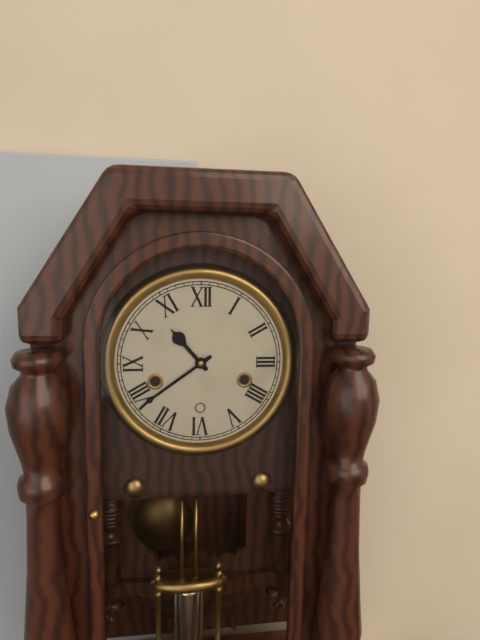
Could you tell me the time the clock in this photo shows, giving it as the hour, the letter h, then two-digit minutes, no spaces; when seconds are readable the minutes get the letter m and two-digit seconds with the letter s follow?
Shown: 10h39
